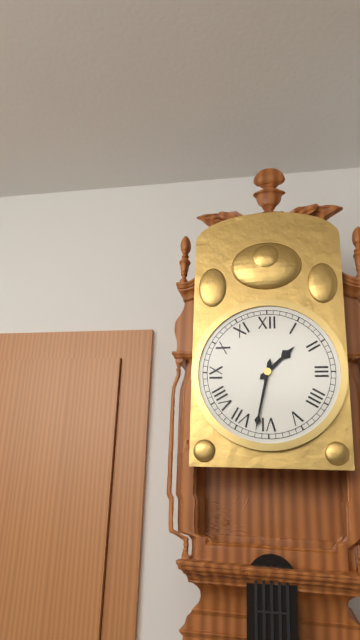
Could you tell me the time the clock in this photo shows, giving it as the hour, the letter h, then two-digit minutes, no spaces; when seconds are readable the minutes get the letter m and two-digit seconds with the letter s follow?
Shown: 1h32
